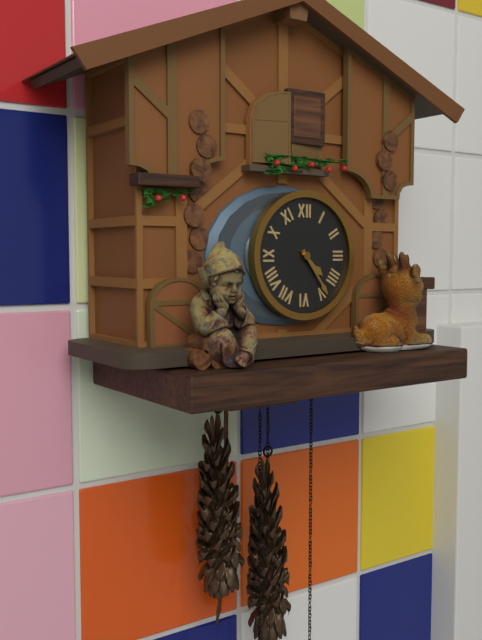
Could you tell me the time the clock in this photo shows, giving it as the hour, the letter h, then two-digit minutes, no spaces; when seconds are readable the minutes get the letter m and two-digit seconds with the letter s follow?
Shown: 4h24
